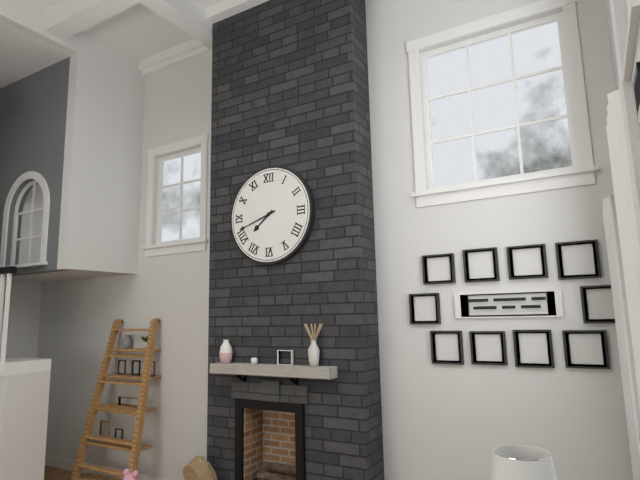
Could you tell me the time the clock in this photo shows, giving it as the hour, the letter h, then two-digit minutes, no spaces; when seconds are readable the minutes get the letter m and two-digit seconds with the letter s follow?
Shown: 7h42
